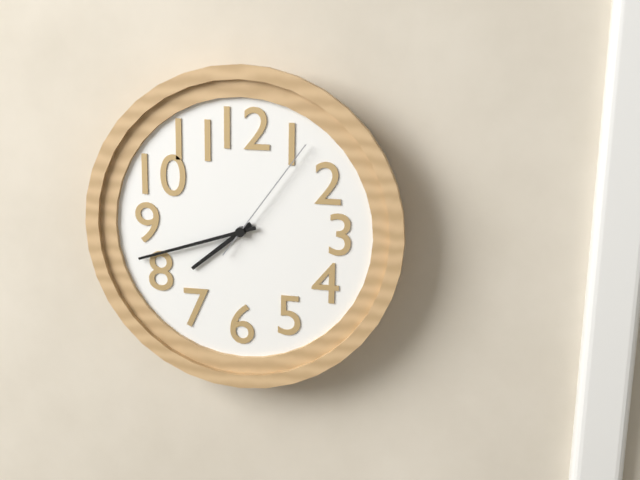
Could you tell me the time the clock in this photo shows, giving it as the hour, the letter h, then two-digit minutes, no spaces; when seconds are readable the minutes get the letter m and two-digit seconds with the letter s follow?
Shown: 7h42m06s
